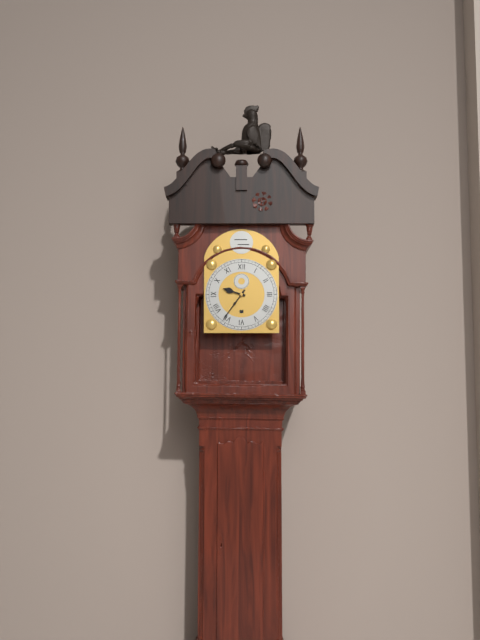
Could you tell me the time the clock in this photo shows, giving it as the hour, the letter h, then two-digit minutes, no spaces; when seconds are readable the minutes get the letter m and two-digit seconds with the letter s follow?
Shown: 9h36
